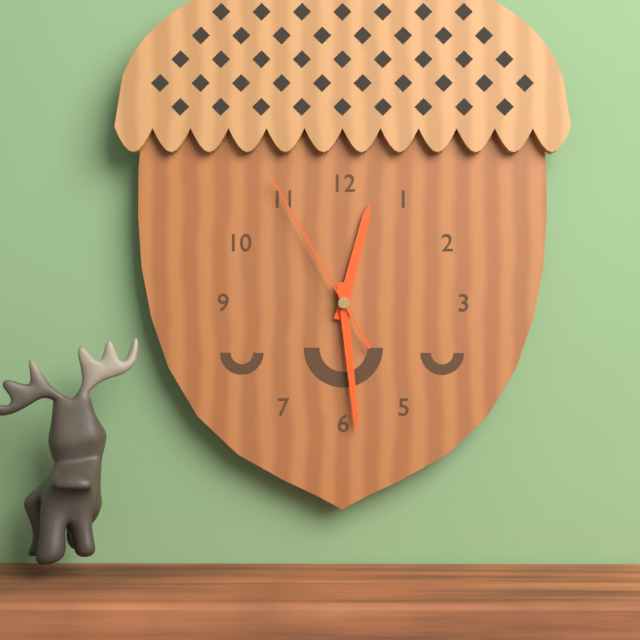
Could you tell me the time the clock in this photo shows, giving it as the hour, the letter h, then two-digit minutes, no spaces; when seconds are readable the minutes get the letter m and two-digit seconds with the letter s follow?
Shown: 12h29m55s
